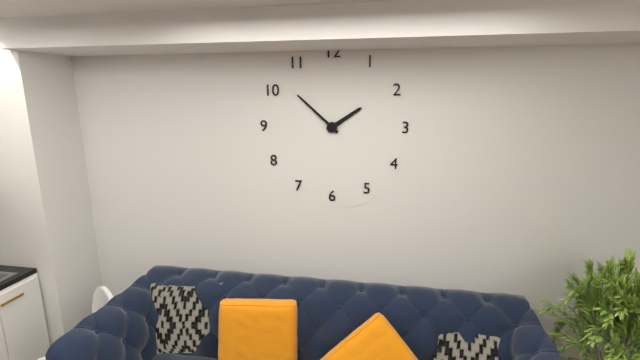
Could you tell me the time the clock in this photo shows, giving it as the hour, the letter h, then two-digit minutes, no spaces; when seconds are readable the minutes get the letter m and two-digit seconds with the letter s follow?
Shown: 1h52
